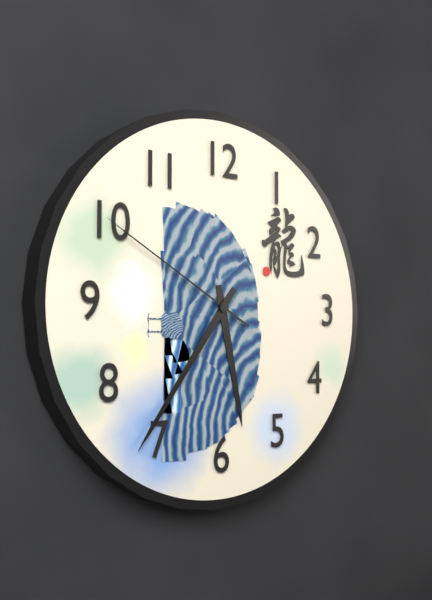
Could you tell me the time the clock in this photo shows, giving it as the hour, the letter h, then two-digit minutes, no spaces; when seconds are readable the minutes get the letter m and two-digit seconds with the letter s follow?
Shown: 5h36m50s
